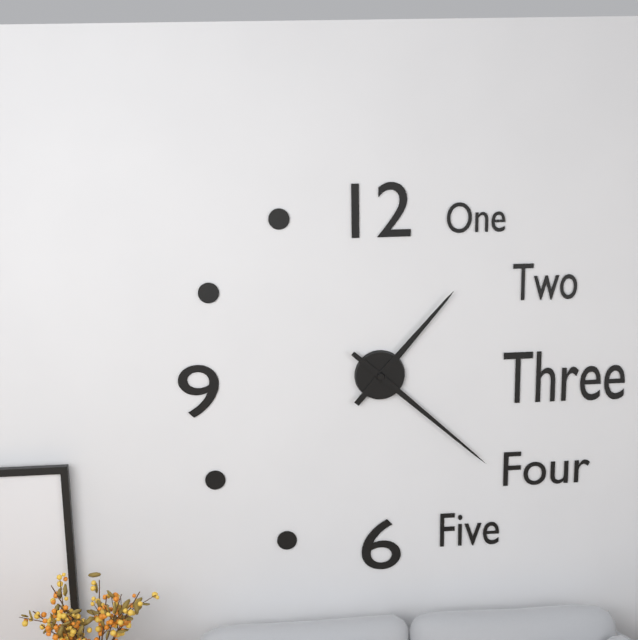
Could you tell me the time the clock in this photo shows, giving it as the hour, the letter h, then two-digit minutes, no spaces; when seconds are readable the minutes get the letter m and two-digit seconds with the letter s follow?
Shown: 1h22
